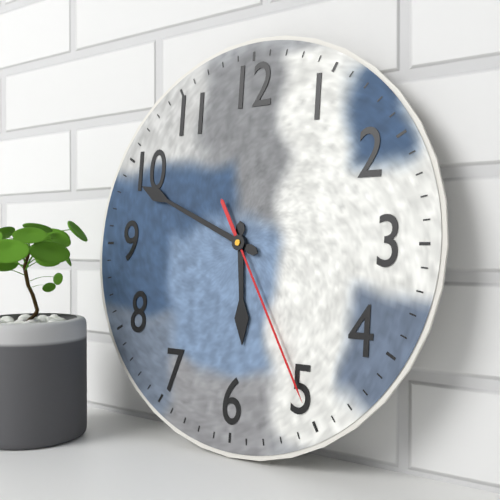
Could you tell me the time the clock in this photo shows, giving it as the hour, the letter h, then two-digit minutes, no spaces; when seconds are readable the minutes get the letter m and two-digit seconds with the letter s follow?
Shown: 5h49m25s
